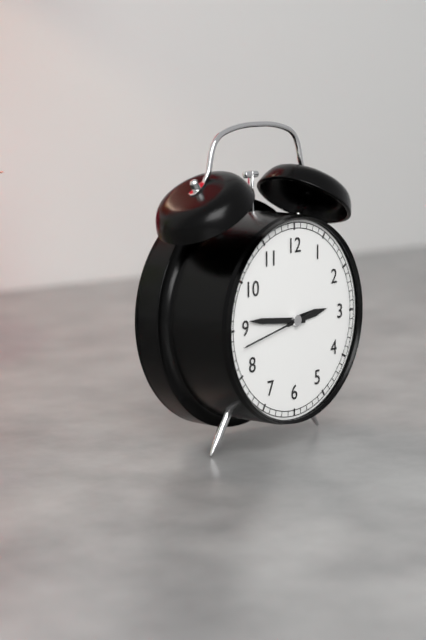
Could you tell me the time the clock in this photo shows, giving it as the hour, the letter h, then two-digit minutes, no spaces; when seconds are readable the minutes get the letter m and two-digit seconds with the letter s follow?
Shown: 2h46m43s
